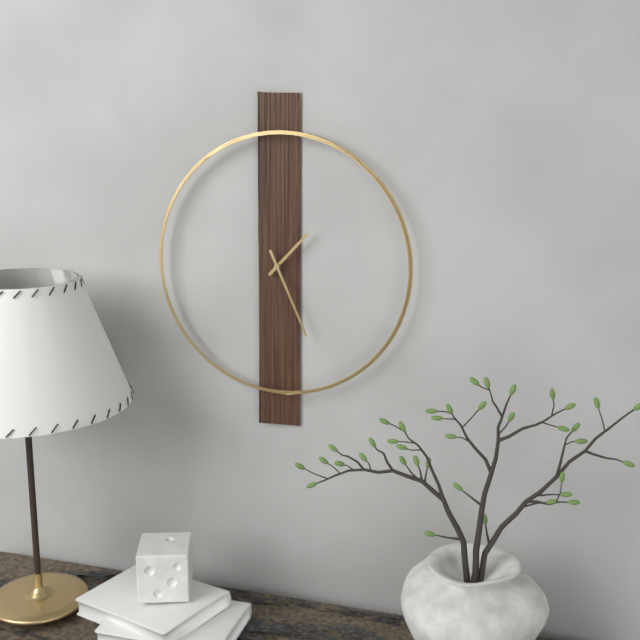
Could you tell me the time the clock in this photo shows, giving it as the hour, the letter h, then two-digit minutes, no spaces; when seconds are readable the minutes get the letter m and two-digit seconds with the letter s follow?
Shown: 1h26
